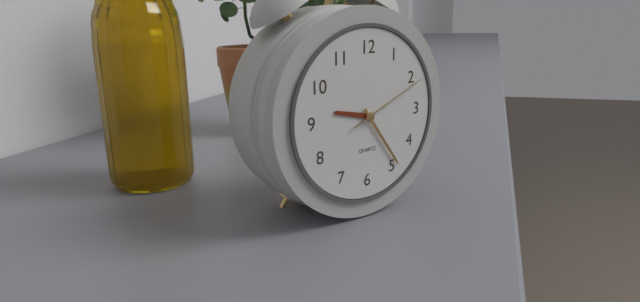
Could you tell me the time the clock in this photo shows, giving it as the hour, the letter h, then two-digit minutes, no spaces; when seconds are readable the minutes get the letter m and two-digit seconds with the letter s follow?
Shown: 9h24m11s
